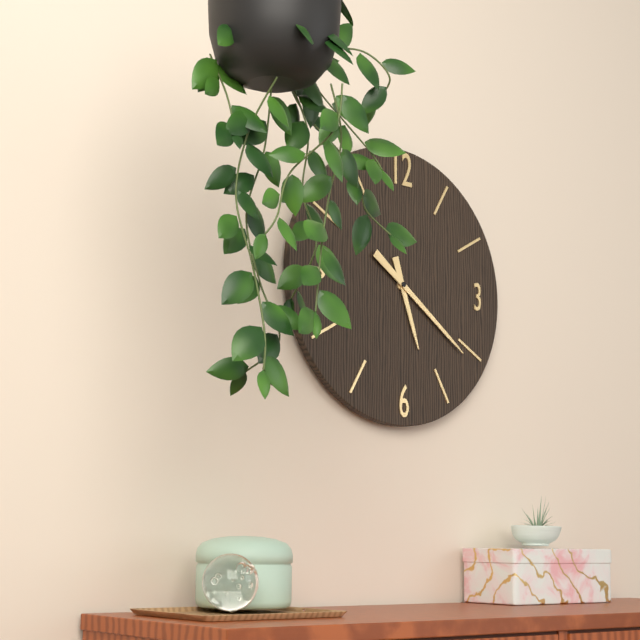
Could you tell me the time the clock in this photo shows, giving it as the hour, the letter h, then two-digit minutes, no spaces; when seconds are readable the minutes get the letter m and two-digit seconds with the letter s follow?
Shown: 5h21
